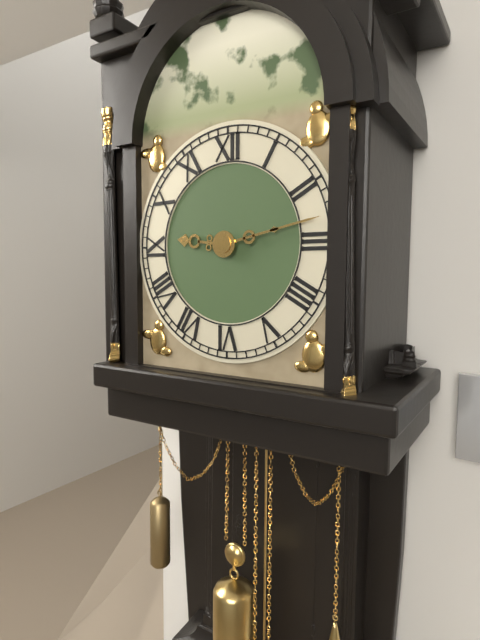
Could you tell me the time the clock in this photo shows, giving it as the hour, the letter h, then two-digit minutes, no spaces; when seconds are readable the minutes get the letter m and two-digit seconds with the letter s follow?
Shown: 9h13
